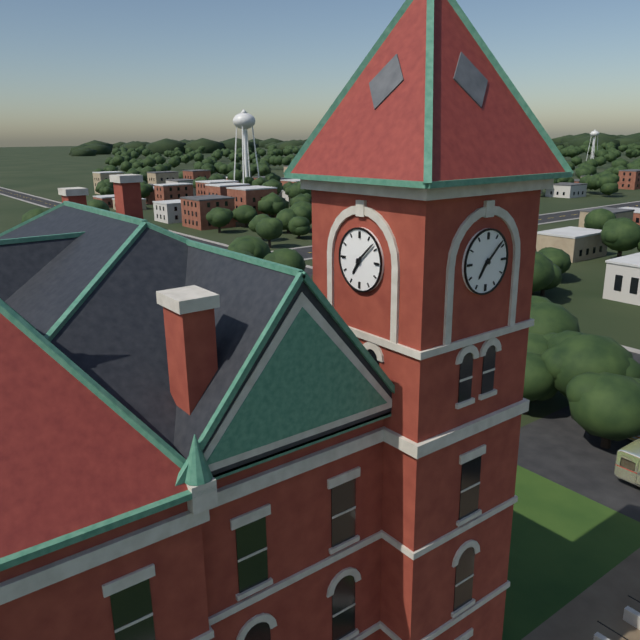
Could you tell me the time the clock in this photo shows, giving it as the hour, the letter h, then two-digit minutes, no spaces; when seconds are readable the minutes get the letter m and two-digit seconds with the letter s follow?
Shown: 7h08
